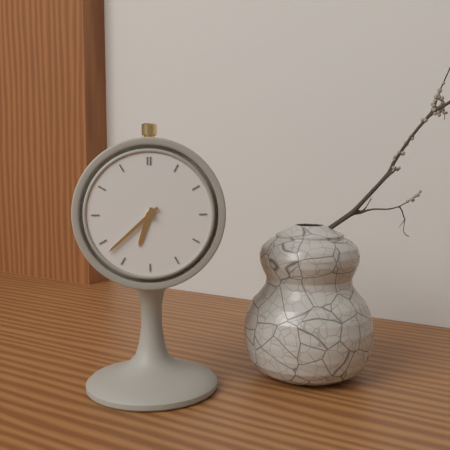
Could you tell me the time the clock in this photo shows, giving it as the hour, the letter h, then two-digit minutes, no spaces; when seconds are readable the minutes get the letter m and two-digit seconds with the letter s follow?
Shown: 6h38
